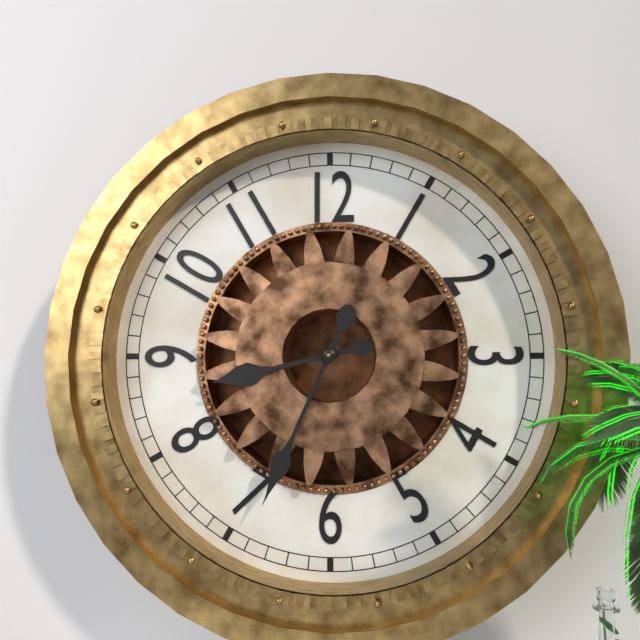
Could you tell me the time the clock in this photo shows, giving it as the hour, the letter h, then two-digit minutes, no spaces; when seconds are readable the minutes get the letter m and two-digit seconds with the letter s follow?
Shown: 8h34
